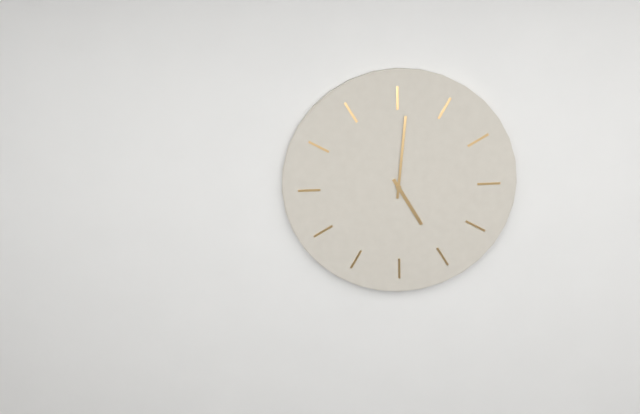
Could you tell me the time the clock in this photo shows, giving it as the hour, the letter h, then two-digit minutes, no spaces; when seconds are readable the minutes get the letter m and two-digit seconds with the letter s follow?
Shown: 5h01
